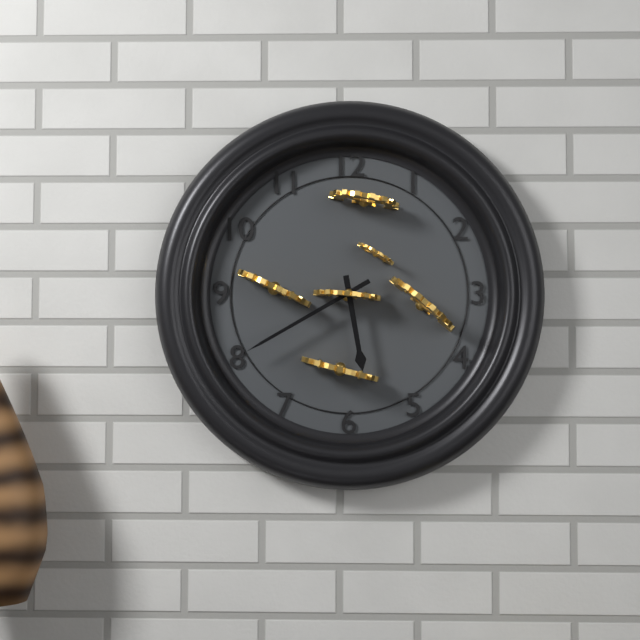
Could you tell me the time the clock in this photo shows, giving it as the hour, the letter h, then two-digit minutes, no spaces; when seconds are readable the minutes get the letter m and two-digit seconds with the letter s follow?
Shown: 5h40
